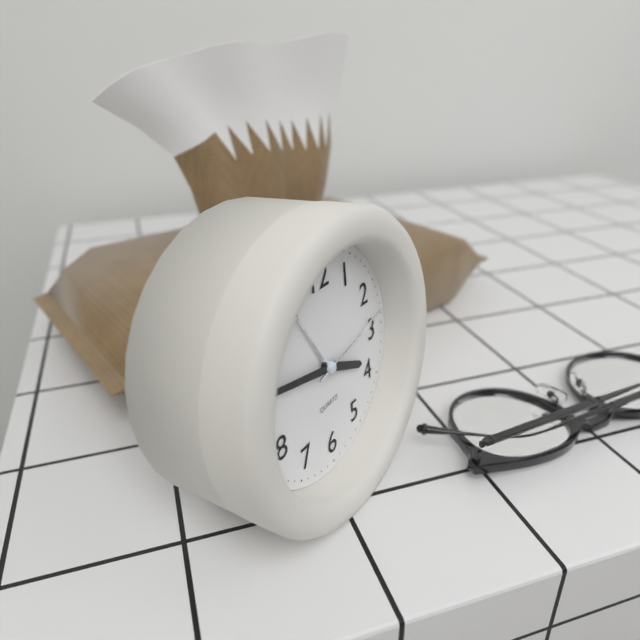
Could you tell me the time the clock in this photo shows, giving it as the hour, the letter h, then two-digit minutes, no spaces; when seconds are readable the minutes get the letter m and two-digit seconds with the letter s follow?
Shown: 3h47m13s
